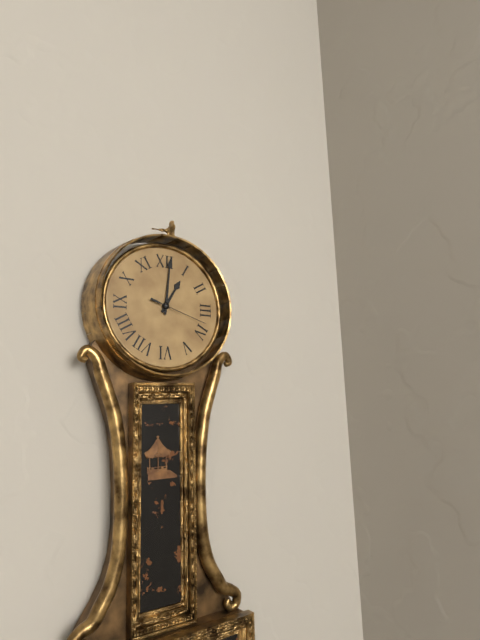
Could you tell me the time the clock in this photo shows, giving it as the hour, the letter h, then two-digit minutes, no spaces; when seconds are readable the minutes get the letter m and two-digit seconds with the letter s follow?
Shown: 1h01m18s
